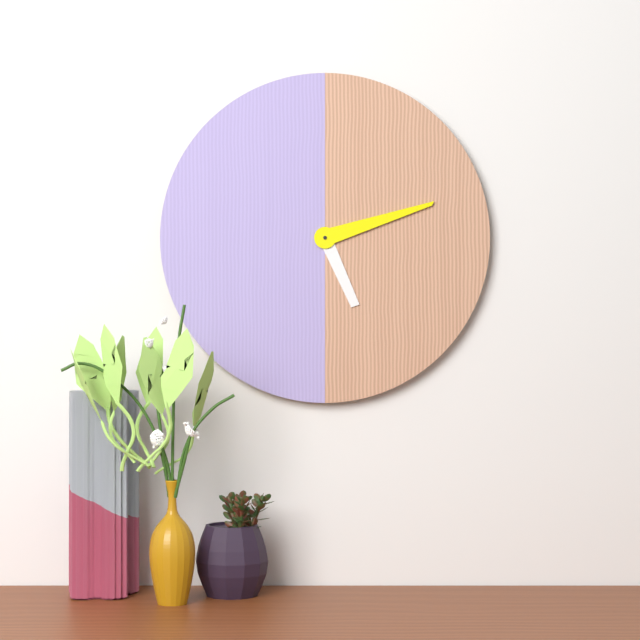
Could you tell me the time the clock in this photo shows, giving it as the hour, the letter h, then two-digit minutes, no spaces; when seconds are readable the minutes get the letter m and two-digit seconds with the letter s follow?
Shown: 5h12
